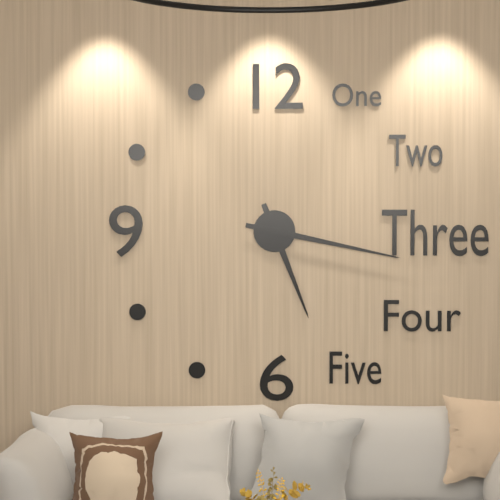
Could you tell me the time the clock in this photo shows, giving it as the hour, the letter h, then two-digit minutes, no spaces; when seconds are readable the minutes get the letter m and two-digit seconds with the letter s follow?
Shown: 5h17
